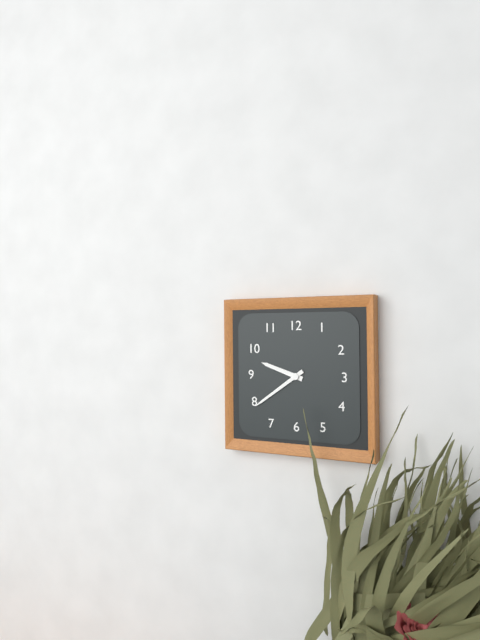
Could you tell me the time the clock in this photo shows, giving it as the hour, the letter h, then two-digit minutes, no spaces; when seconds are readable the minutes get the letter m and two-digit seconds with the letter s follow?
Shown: 9h39
